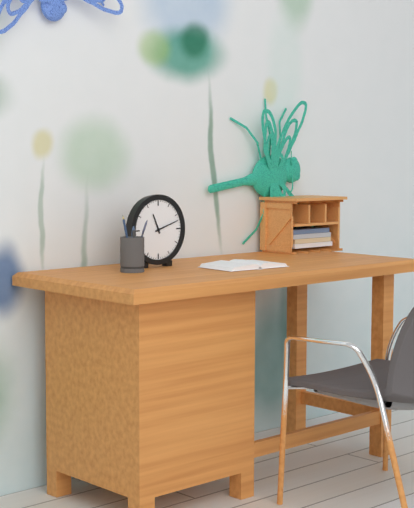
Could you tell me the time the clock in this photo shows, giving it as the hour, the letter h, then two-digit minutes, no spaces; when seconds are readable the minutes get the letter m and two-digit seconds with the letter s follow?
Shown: 11h12
